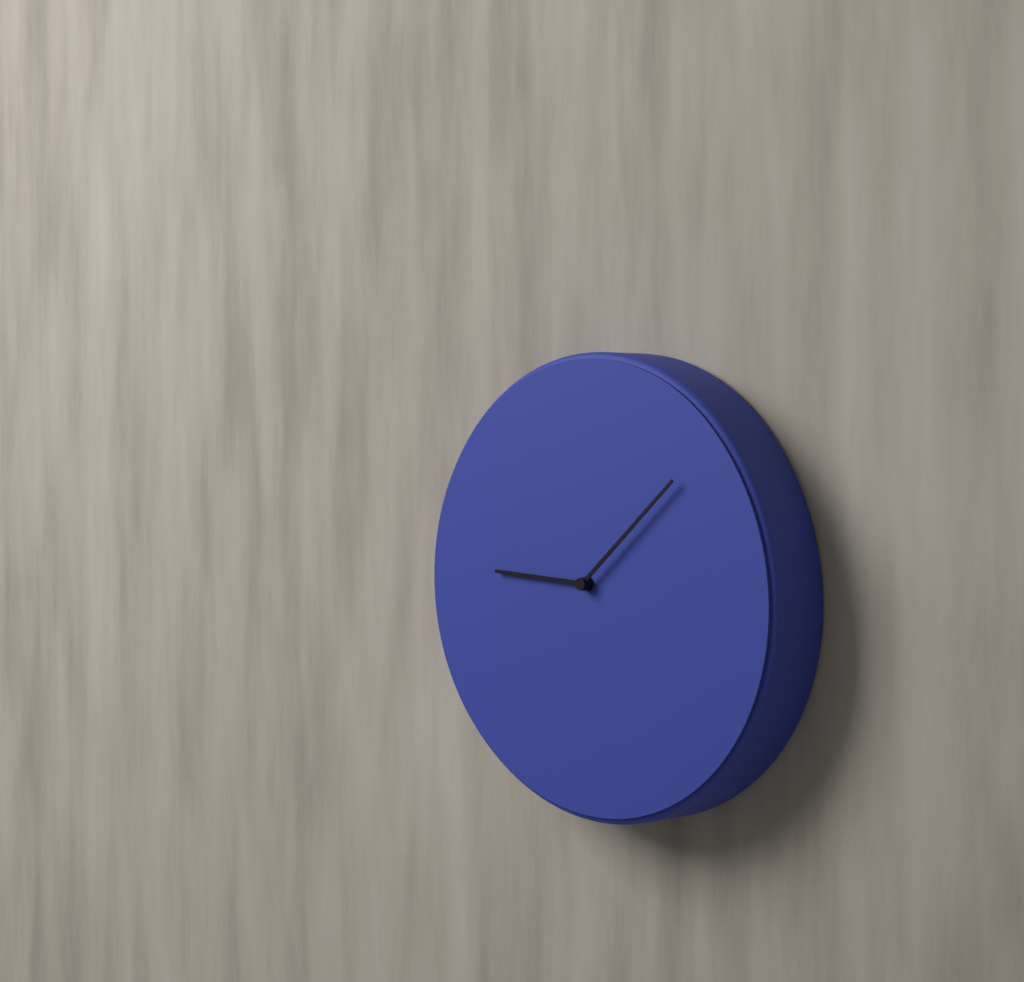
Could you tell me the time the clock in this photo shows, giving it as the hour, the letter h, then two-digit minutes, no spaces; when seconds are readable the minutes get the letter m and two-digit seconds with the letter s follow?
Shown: 9h08
